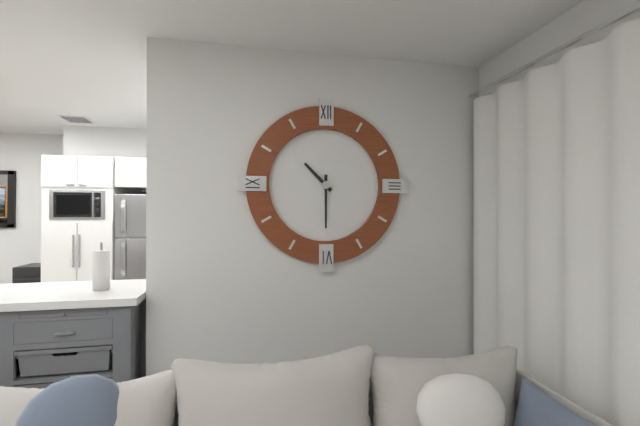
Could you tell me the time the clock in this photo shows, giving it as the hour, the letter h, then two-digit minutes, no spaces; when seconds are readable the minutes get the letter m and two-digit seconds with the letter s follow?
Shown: 10h30
